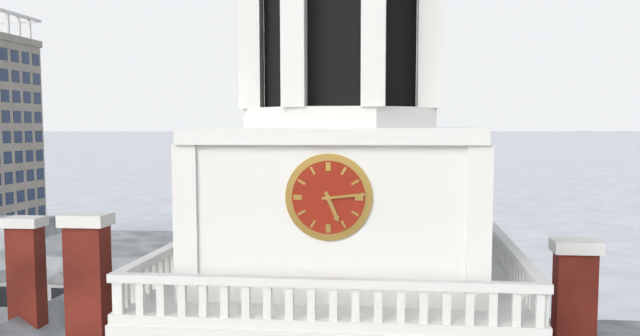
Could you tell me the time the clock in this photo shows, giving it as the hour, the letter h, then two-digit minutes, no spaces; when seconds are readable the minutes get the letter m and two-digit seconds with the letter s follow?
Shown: 5h14
